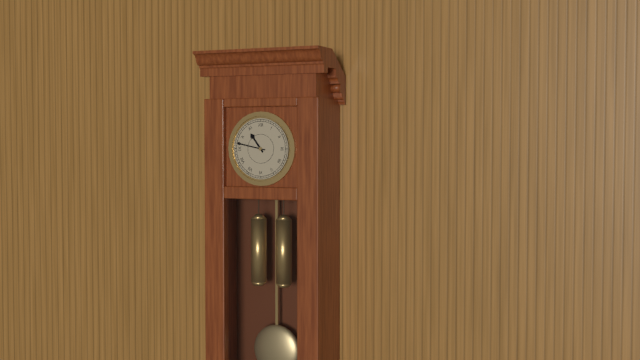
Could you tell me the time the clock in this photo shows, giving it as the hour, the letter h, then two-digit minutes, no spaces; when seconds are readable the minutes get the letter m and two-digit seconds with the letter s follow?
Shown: 10h47
